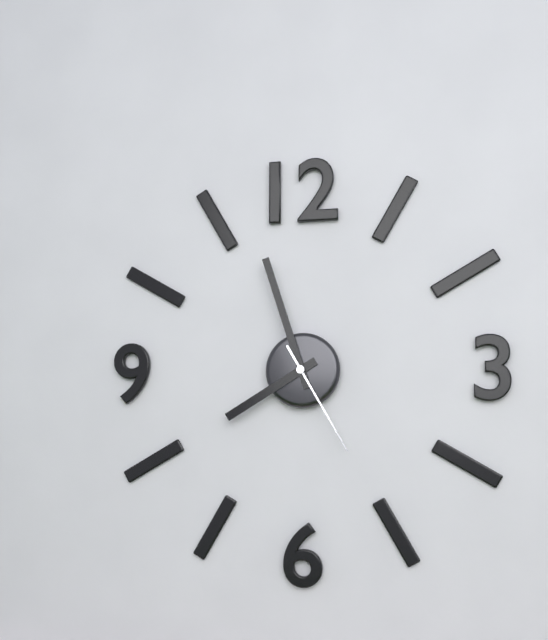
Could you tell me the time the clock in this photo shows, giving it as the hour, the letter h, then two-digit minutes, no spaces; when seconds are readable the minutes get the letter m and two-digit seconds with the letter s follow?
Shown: 7h57m25s
